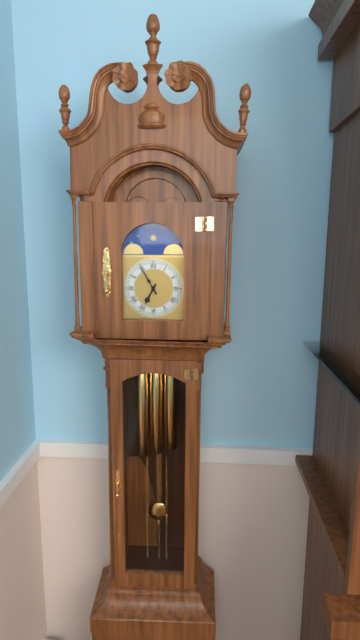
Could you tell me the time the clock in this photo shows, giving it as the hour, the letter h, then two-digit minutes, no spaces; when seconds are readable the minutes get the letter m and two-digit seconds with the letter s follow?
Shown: 6h55
